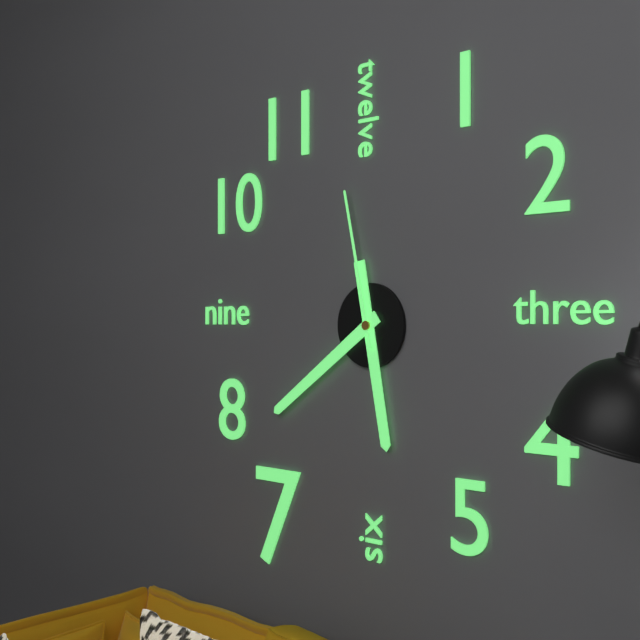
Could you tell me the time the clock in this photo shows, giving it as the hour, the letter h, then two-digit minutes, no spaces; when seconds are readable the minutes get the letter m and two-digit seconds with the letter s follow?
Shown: 5h39m58s
